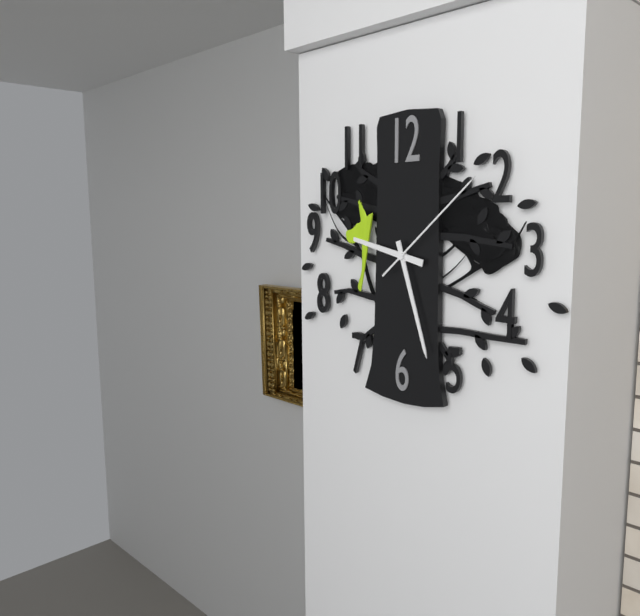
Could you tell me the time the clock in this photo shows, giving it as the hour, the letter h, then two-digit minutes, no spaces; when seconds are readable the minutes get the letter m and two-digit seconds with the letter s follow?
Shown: 9h27m08s
